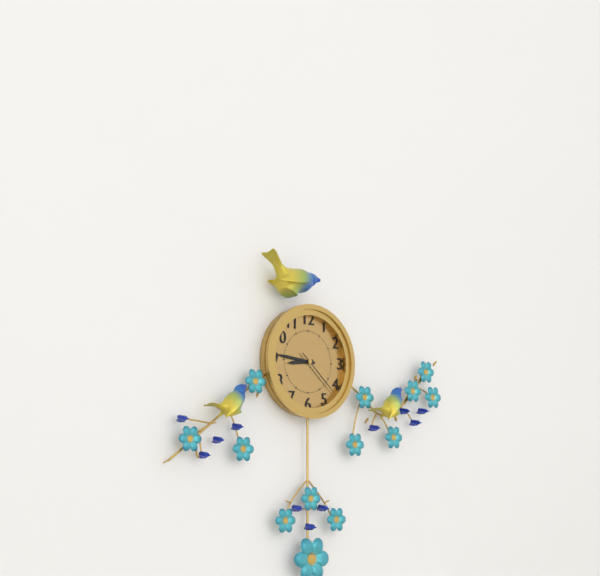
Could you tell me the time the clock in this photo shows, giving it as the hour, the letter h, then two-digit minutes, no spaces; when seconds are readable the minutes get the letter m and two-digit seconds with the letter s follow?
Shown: 8h46m22s
